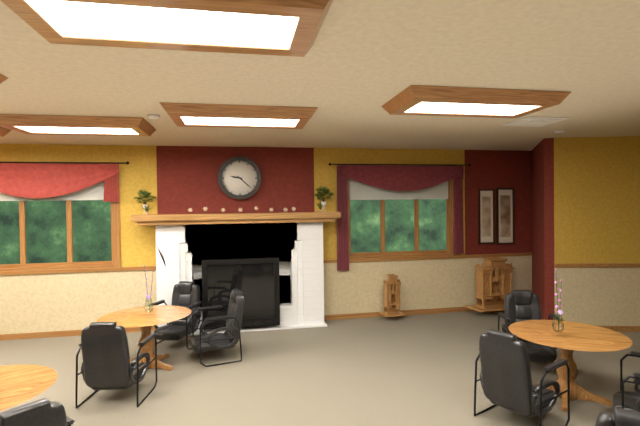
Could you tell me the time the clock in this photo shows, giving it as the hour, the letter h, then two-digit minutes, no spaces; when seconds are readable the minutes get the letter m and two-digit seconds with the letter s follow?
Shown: 9h22
